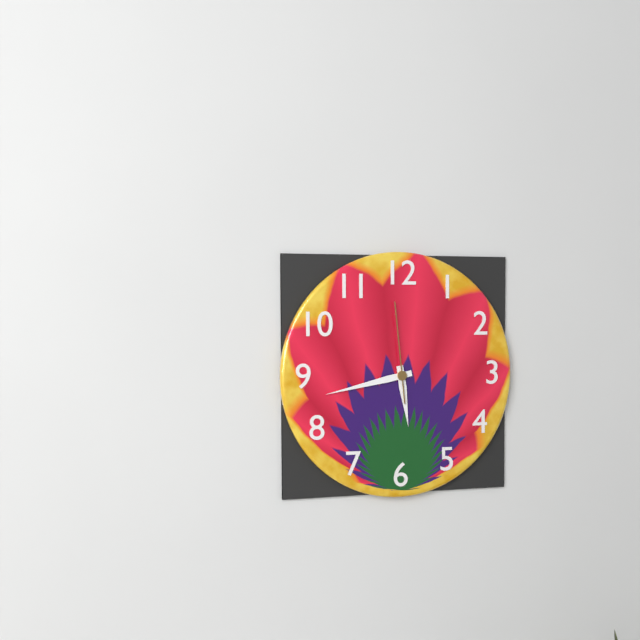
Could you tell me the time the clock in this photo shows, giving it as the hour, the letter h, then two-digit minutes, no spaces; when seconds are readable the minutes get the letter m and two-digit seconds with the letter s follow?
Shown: 5h43m59s
